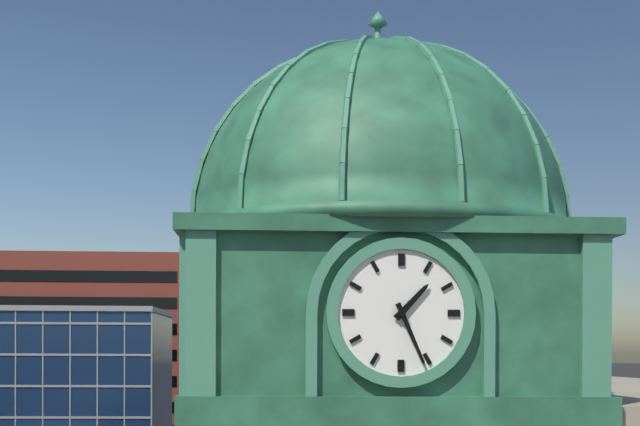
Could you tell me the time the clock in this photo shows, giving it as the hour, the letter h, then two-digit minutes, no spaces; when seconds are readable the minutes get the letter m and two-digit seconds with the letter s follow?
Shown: 1h26
